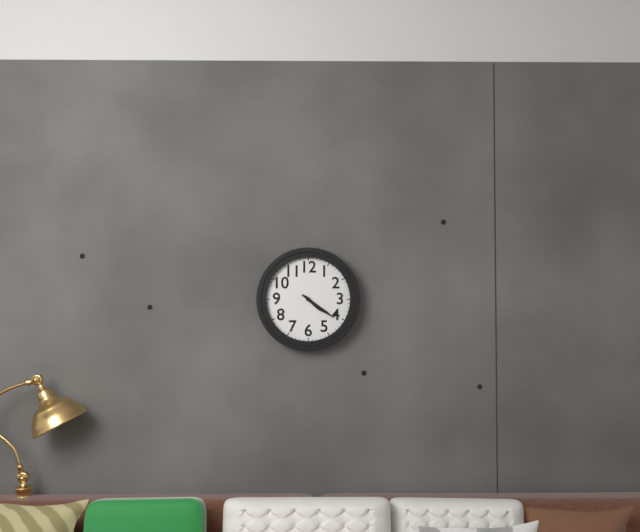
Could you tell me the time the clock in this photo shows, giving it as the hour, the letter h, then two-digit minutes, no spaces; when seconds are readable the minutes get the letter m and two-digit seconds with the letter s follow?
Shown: 4h21
